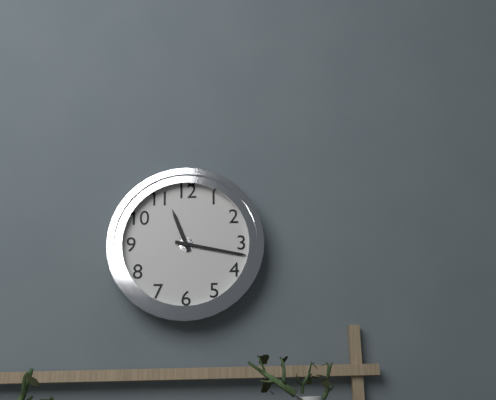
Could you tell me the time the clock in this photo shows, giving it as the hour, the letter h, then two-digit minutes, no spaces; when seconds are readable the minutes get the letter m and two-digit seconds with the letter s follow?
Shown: 11h17
